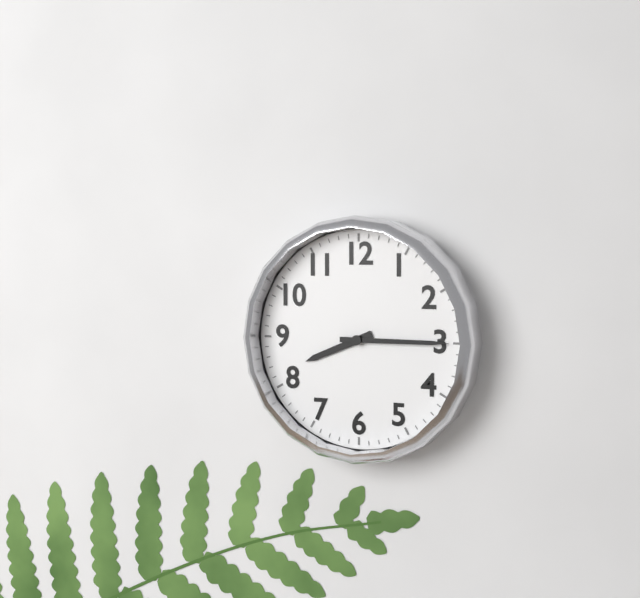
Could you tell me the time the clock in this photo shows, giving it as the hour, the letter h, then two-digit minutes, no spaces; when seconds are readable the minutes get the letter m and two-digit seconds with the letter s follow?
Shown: 8h15
